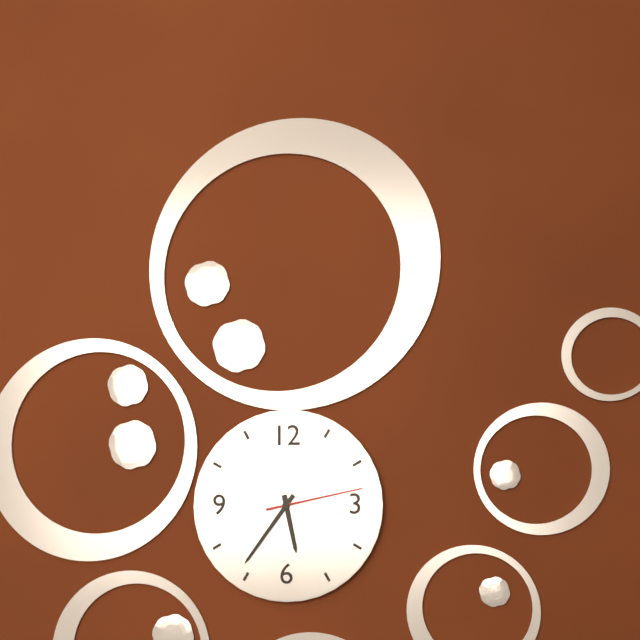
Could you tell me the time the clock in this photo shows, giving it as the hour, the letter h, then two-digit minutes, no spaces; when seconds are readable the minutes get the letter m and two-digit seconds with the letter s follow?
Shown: 5h36m13s
